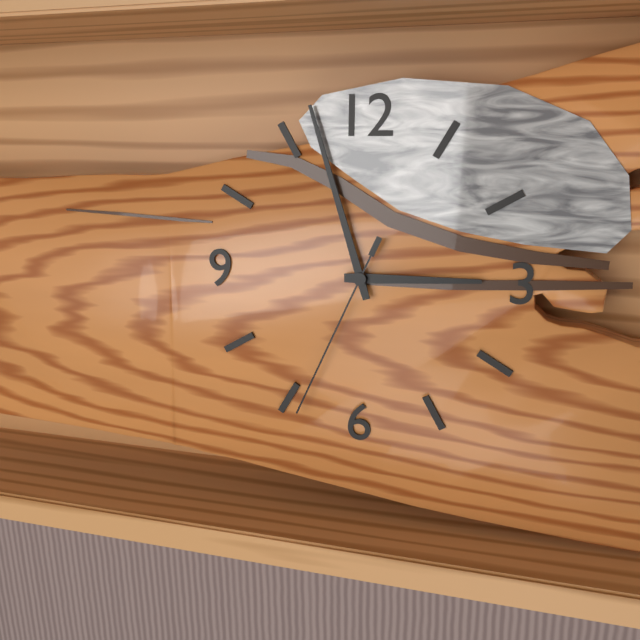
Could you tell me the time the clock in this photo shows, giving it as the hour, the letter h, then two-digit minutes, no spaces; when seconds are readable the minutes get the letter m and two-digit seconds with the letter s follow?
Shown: 2h57m34s
